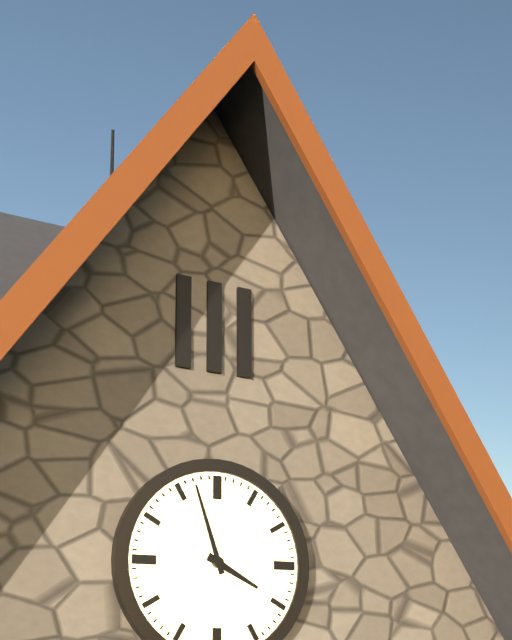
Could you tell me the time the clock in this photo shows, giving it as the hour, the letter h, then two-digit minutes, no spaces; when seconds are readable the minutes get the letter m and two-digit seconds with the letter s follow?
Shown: 3h57
